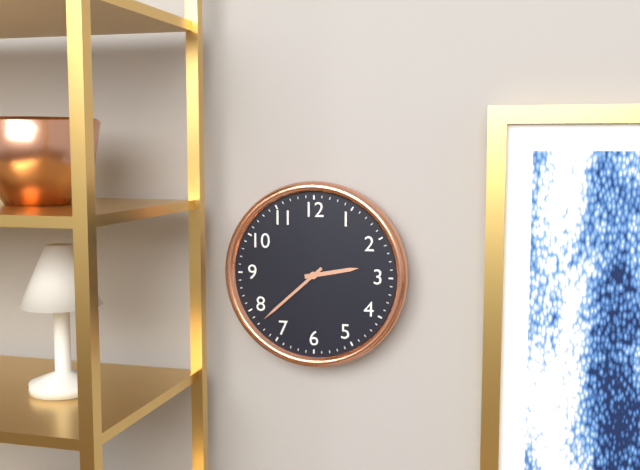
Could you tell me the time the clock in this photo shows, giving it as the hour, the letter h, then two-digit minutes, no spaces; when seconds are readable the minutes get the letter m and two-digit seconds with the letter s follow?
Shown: 2h38
